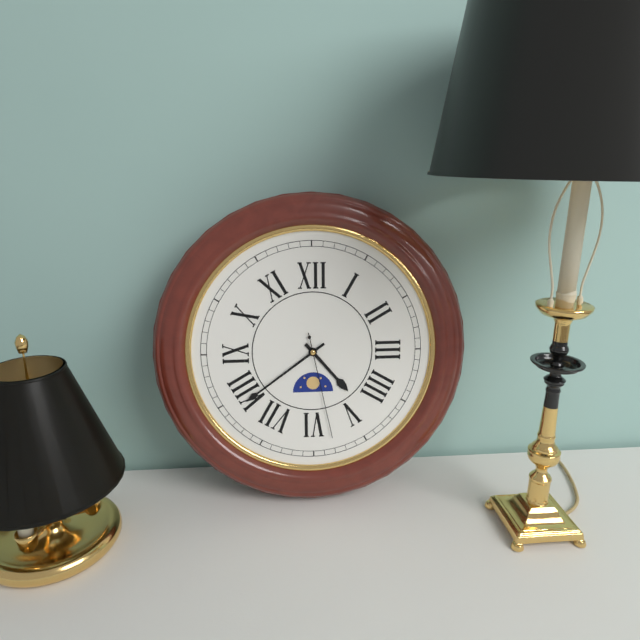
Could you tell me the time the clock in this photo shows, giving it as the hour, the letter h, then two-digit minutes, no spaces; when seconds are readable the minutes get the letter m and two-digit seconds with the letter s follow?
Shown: 4h39m28s
